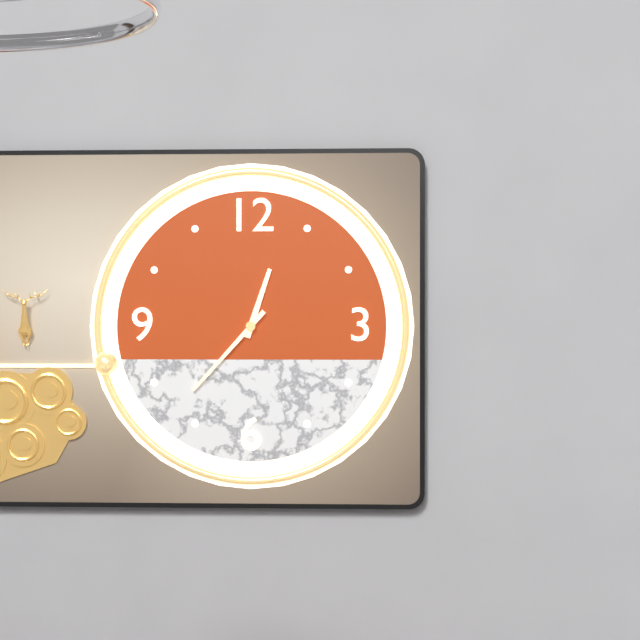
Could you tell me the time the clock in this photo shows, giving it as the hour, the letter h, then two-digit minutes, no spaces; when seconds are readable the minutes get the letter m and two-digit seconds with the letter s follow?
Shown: 12h37
